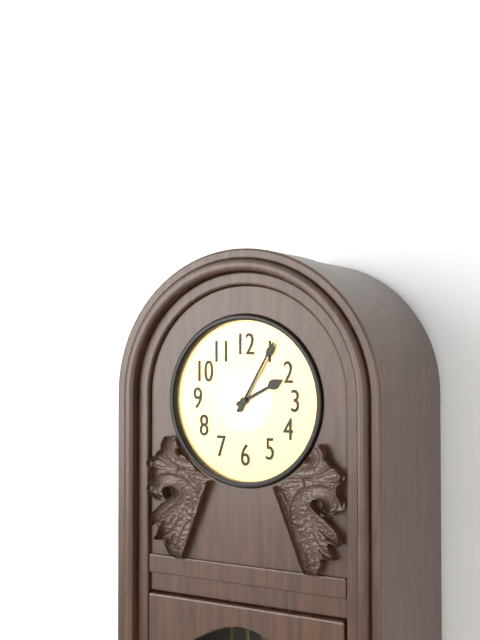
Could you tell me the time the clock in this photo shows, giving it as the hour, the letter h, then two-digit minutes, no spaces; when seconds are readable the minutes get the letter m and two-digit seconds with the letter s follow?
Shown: 2h05
